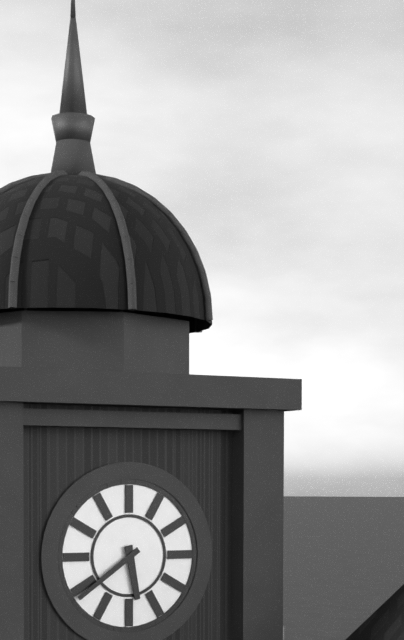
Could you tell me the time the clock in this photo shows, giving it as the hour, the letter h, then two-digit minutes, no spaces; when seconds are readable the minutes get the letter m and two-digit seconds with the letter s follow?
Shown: 5h39
